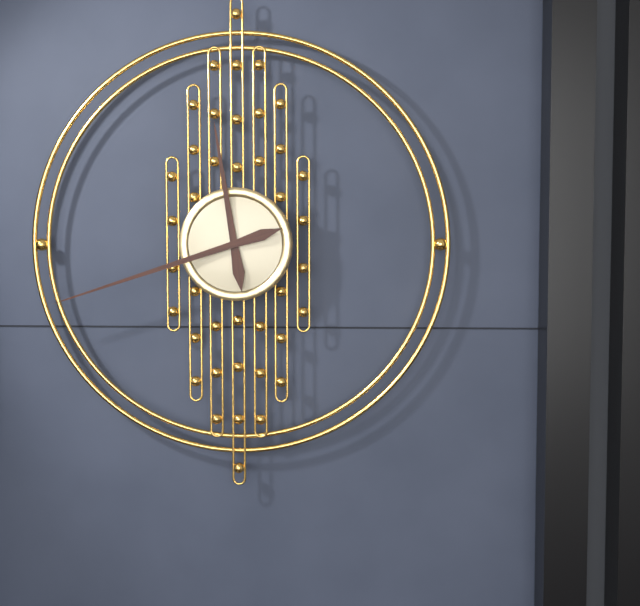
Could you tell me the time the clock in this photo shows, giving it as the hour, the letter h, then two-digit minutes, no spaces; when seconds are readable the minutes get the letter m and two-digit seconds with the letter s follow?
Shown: 11h42
